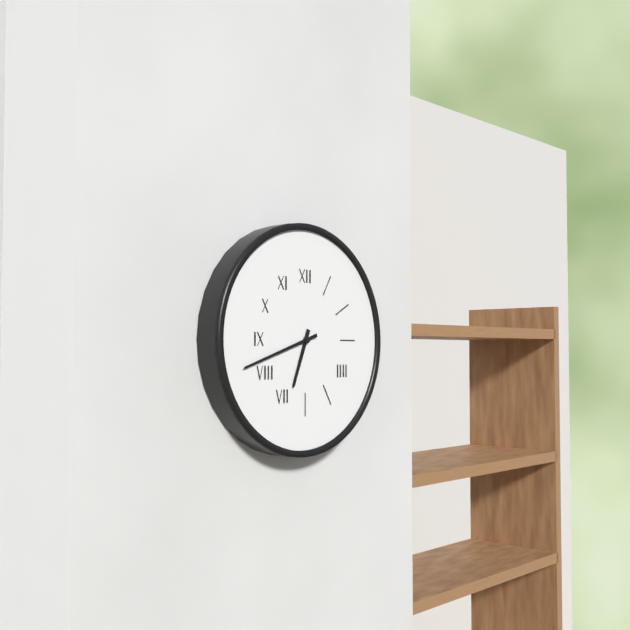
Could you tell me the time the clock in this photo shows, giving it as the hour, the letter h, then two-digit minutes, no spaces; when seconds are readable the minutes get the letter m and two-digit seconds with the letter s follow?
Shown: 6h42
